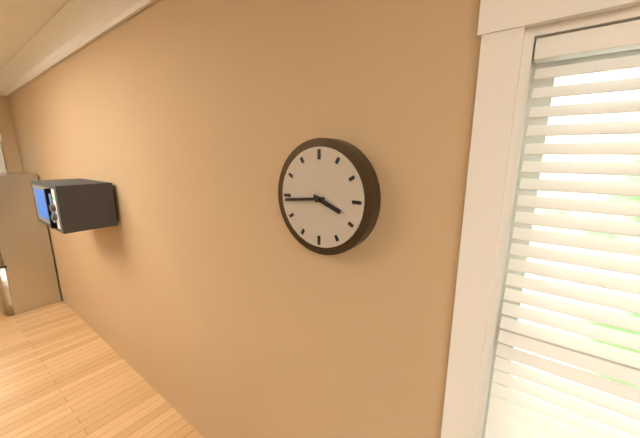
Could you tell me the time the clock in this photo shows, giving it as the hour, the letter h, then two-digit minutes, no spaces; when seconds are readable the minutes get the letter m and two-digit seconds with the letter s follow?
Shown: 3h44
